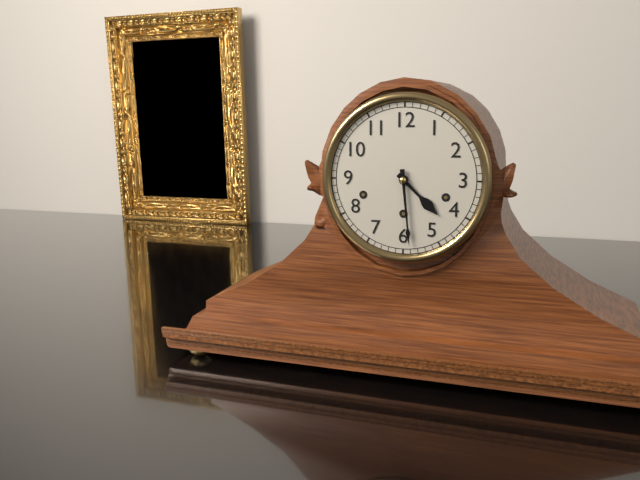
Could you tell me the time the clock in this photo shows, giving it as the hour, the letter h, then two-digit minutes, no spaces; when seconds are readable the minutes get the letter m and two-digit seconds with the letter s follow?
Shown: 4h29
